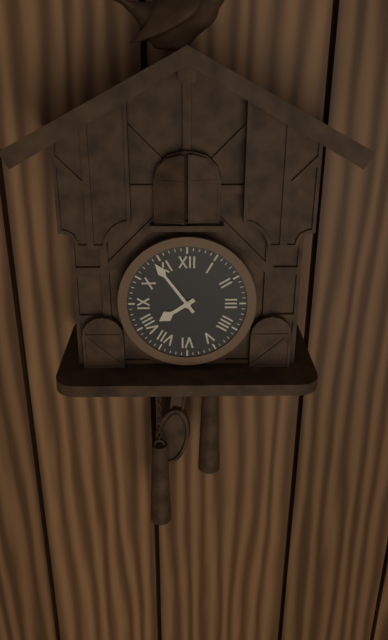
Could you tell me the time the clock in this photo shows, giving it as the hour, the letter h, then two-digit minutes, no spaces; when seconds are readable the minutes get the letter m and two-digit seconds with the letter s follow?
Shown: 7h54
